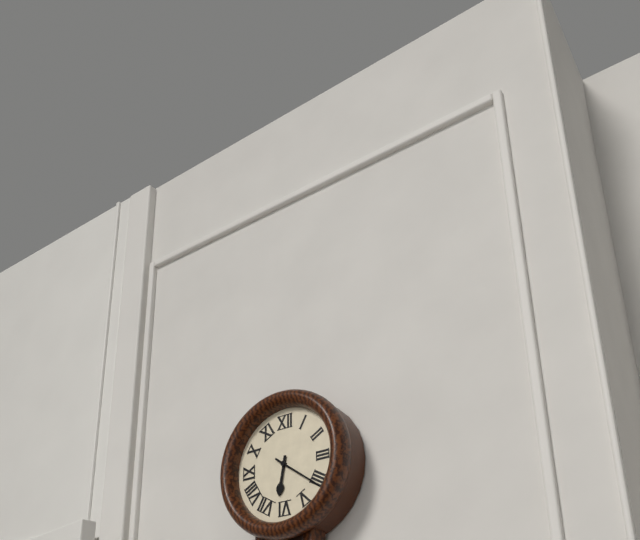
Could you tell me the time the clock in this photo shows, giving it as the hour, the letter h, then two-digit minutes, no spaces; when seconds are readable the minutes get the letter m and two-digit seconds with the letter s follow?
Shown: 6h21
